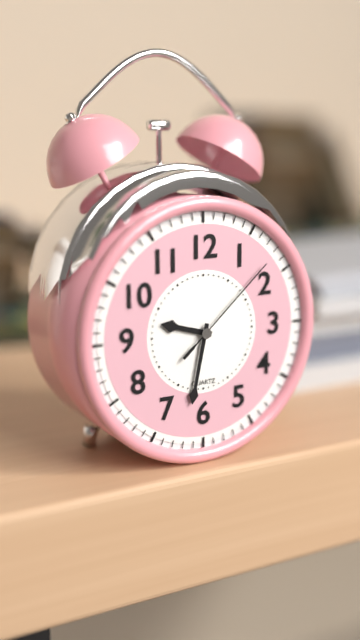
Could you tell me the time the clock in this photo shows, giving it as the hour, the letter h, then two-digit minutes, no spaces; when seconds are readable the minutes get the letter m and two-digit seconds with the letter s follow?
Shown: 9h32m08s
